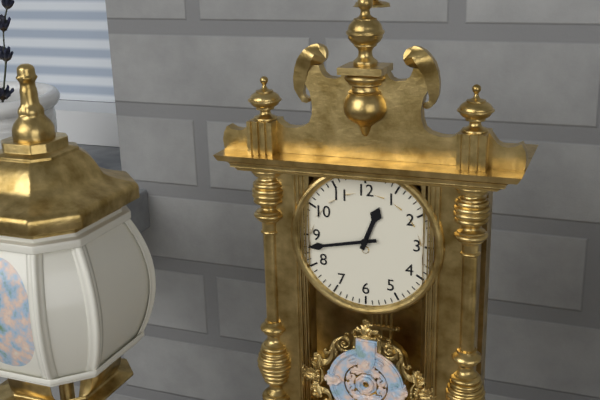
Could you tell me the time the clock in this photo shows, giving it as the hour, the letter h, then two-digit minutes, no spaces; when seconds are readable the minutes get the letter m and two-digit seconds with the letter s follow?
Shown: 12h43
